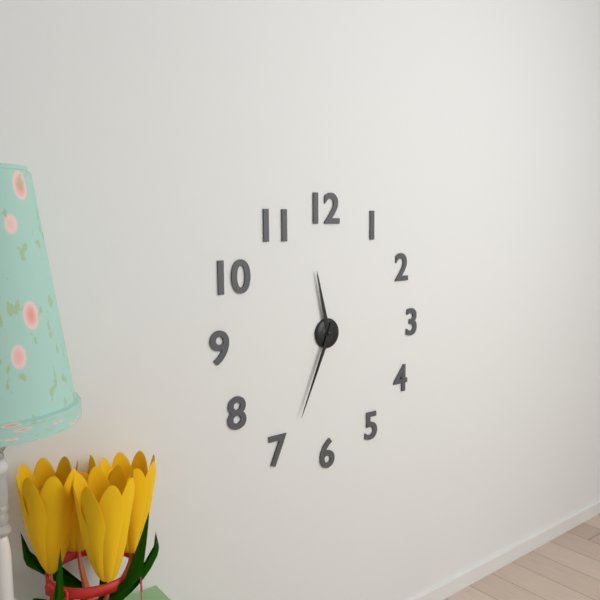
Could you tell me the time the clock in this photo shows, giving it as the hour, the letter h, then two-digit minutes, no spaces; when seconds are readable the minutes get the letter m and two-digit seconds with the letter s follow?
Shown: 11h34
